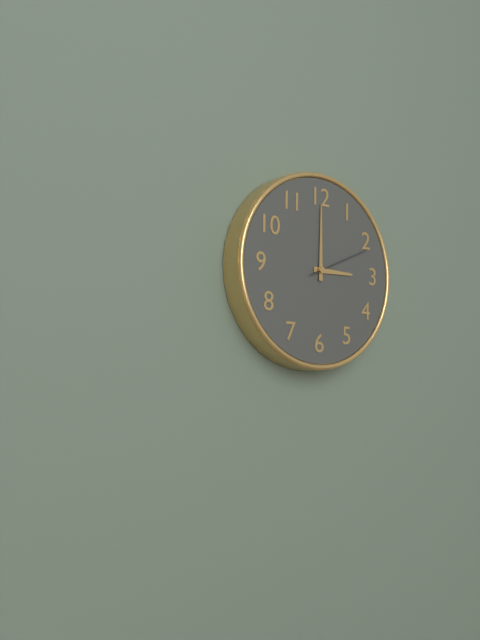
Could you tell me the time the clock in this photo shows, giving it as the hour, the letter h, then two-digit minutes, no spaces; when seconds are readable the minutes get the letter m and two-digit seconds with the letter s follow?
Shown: 3h00m11s
